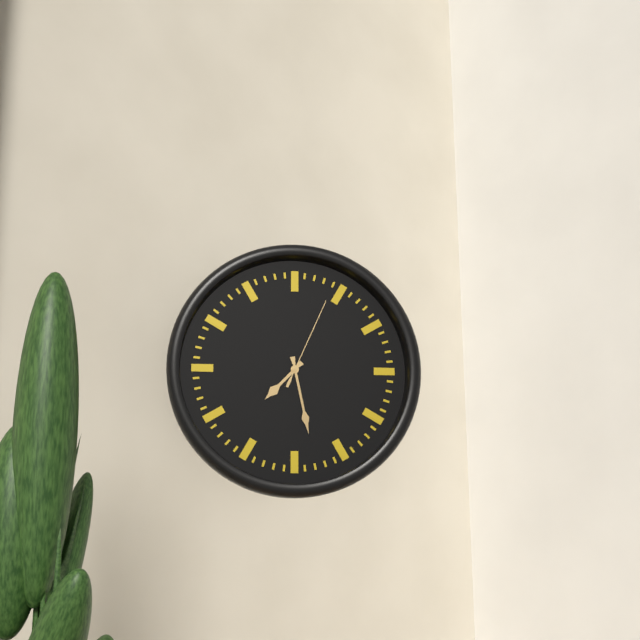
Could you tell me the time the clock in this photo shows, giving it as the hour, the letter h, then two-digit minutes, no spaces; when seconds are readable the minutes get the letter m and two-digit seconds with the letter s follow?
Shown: 7h28m04s
